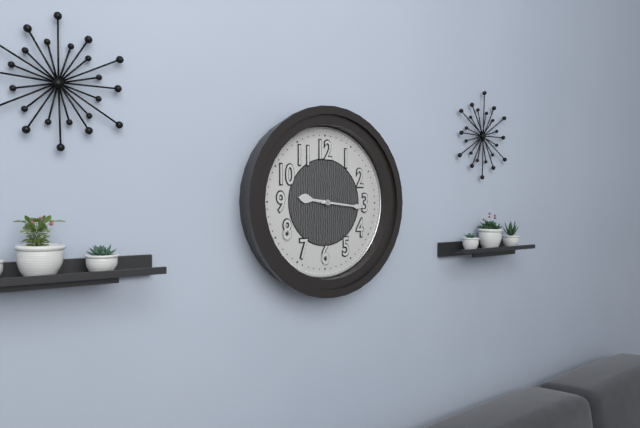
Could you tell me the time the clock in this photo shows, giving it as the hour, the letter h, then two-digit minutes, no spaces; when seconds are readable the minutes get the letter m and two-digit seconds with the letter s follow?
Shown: 9h16
